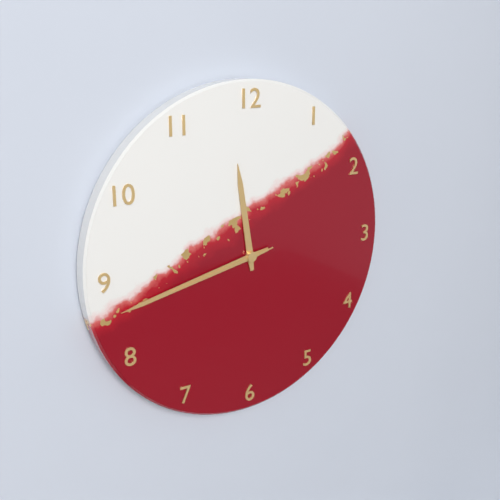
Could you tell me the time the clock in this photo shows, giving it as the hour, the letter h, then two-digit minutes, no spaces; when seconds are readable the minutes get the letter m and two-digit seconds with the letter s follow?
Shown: 11h43m43s
